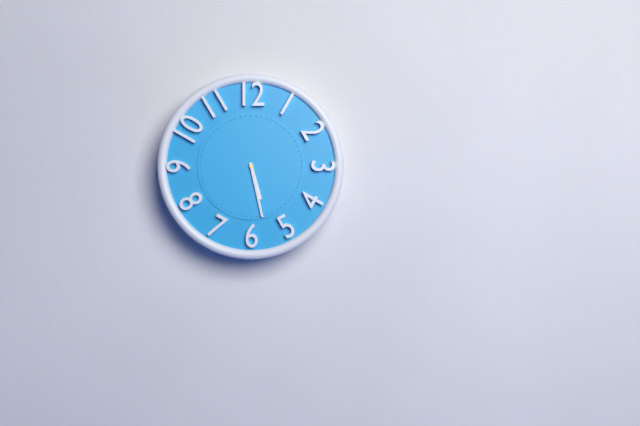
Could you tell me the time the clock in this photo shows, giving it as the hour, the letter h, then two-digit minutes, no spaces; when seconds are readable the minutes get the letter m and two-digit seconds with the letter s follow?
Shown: 5h28
